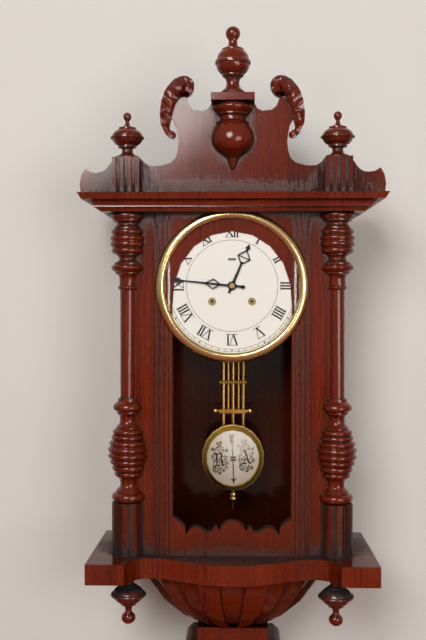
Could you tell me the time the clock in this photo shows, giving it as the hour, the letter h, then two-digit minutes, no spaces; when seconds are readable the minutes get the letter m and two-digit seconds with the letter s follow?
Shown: 12h46
